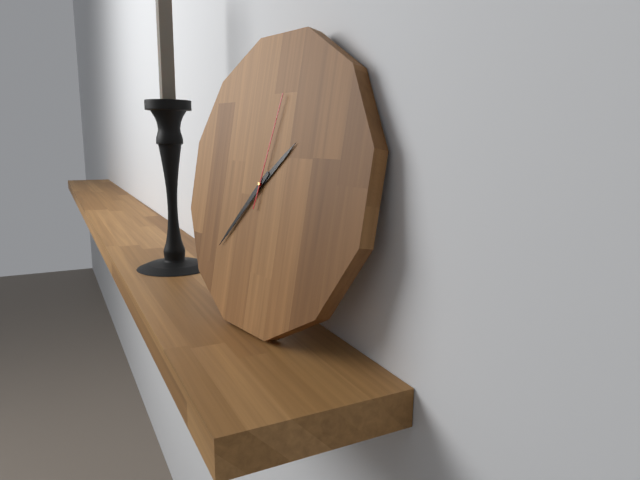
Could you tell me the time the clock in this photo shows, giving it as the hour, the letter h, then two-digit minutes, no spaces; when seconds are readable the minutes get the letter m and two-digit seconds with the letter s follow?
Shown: 1h37m02s
